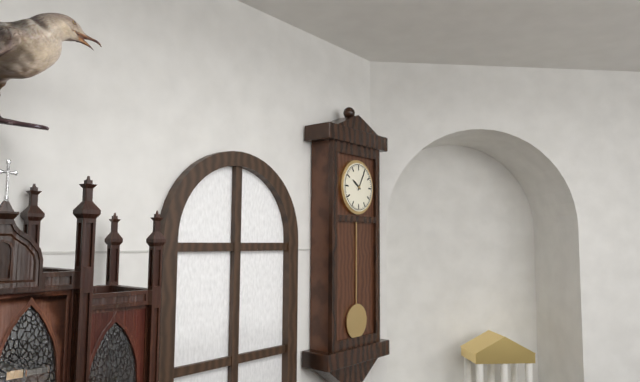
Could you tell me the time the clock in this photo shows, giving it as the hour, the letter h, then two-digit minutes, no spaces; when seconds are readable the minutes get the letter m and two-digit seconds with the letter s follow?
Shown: 10h05
